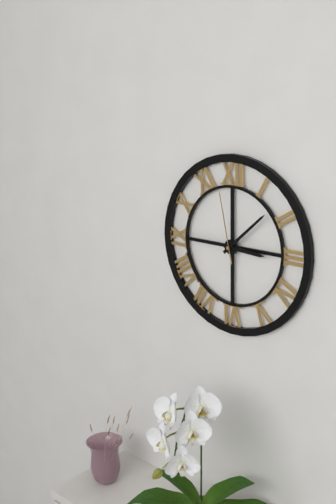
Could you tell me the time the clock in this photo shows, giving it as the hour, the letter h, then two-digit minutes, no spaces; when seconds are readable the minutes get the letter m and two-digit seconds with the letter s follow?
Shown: 3h08m58s
